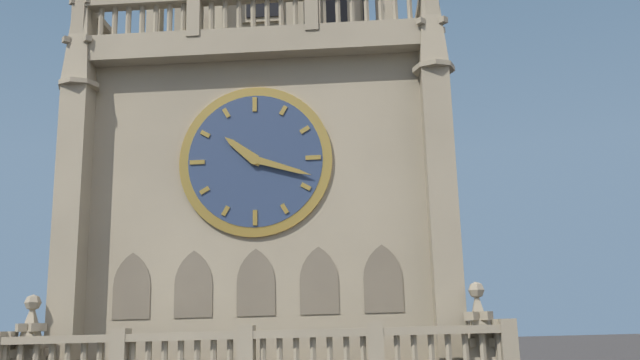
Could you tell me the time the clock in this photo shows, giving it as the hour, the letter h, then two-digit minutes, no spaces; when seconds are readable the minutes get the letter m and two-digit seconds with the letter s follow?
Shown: 10h18
